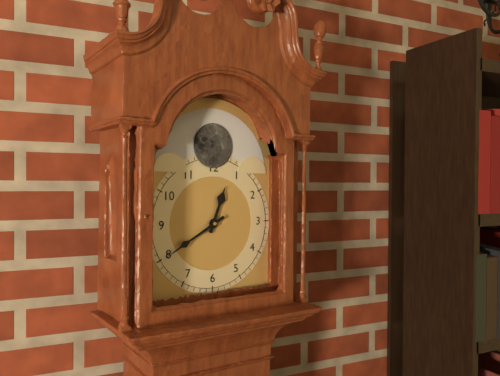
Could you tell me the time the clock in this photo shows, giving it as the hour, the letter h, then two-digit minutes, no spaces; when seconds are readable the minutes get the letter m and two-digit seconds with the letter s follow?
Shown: 12h40
